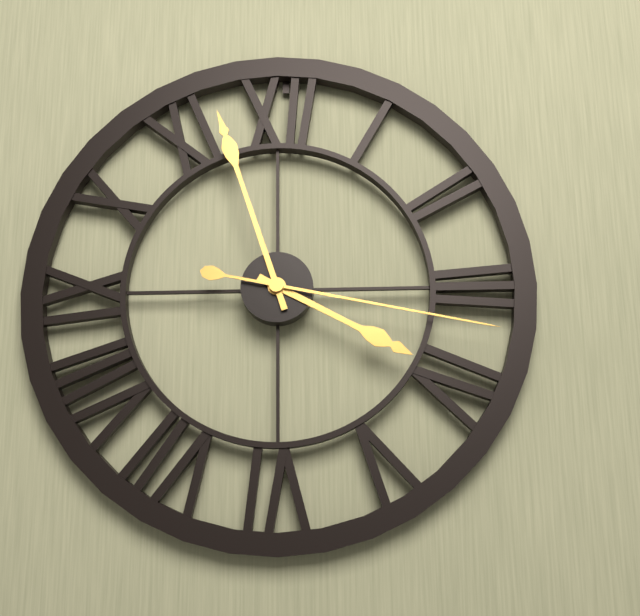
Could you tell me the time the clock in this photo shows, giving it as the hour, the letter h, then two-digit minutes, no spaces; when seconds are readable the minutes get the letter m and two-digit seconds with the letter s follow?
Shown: 3h57m17s
